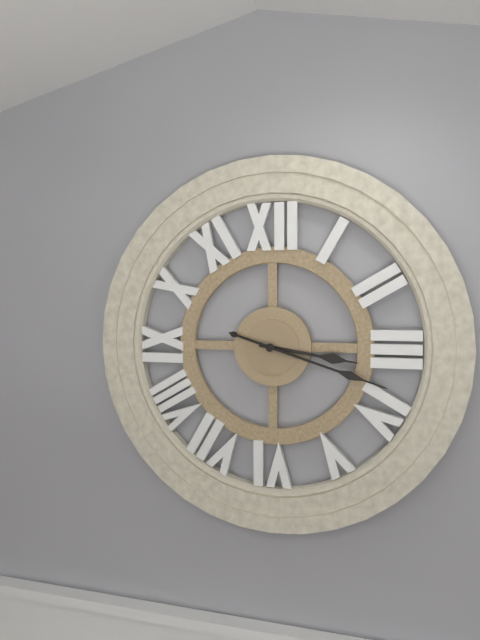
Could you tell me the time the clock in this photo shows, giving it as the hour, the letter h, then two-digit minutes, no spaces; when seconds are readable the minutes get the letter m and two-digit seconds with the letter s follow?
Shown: 3h18
